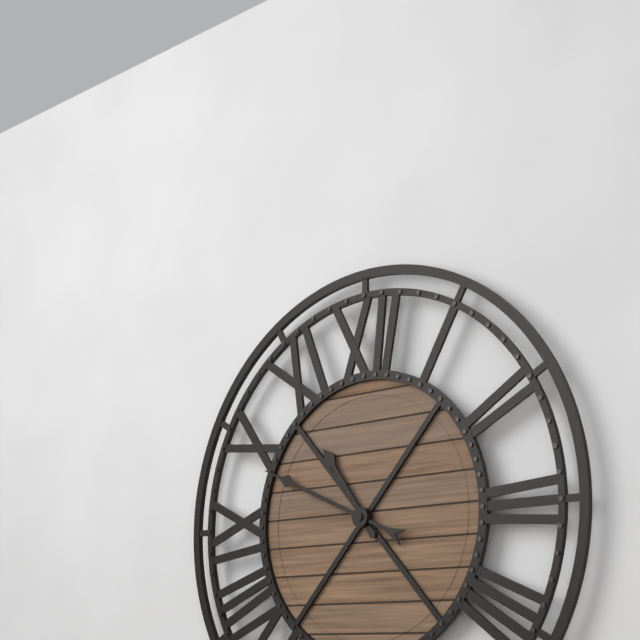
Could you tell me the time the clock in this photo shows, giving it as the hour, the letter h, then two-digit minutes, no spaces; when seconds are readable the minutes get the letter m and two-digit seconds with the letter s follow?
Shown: 10h49
